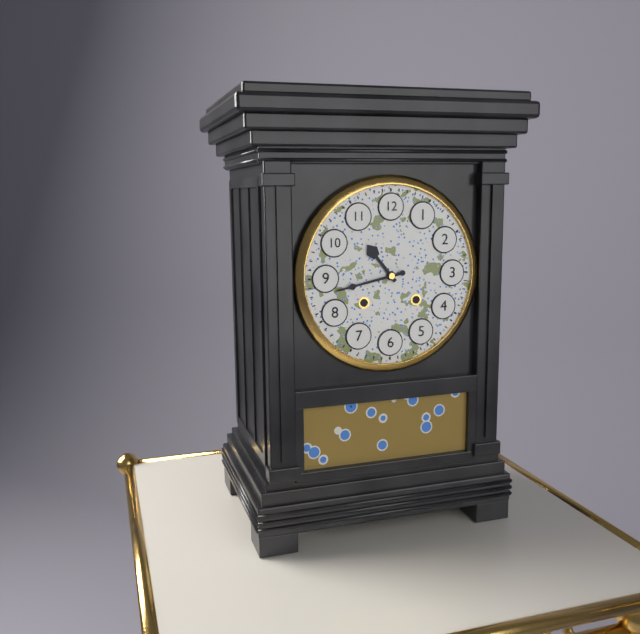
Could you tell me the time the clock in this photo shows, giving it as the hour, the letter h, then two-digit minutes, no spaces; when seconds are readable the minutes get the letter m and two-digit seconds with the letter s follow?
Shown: 10h43
